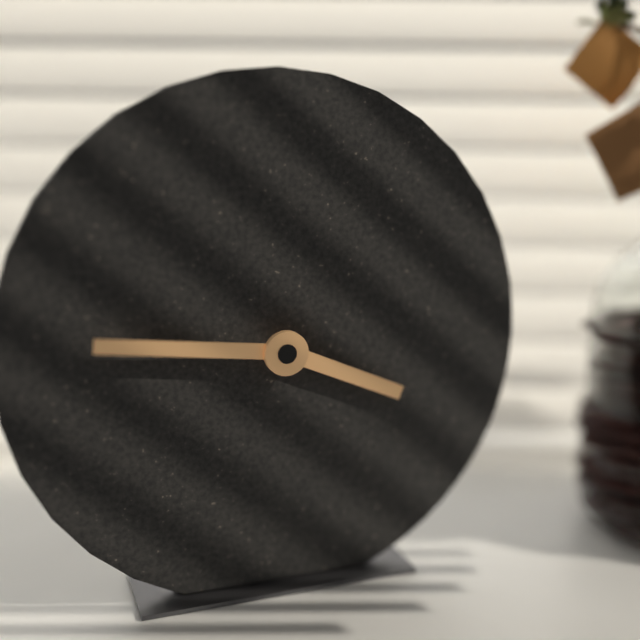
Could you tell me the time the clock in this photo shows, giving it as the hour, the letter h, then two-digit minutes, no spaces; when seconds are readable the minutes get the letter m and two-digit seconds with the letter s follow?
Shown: 3h46
